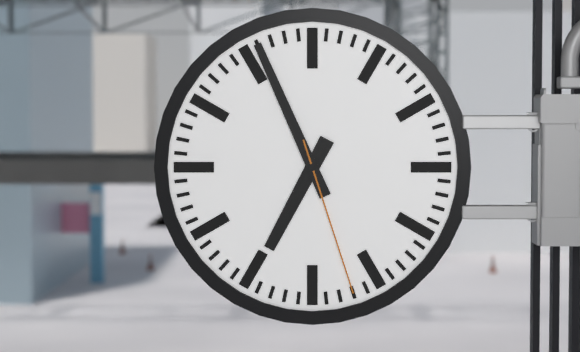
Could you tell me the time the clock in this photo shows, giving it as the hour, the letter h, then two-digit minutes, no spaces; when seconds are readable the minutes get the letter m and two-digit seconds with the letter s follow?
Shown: 6h56m27s
